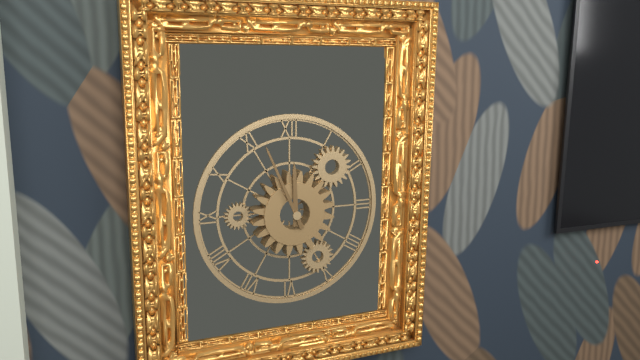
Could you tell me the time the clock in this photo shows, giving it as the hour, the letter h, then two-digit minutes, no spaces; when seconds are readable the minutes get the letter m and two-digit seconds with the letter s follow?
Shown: 11h56
